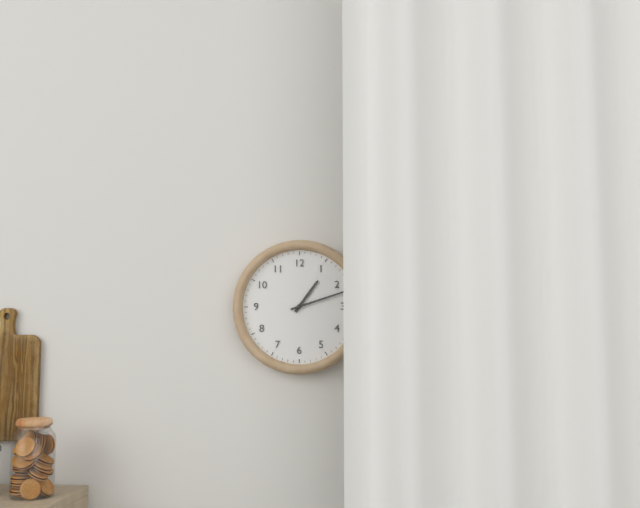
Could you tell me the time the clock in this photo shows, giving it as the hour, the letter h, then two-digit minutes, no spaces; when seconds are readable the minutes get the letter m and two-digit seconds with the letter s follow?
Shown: 1h12
